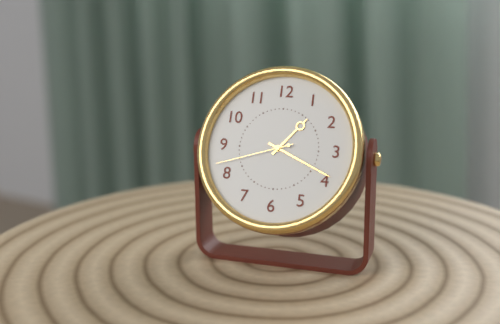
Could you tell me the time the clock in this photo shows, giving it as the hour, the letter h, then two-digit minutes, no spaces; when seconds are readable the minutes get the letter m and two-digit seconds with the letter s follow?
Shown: 1h19m42s
